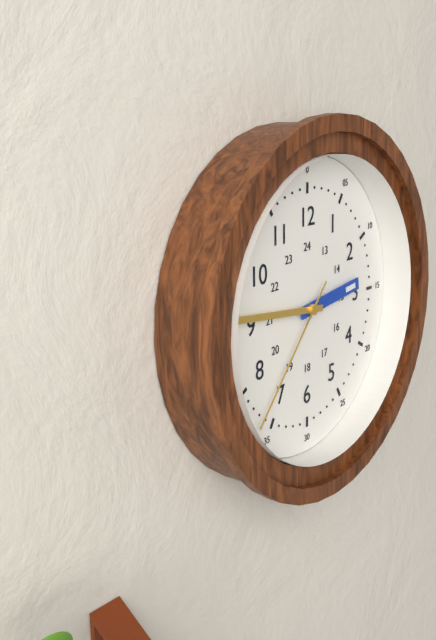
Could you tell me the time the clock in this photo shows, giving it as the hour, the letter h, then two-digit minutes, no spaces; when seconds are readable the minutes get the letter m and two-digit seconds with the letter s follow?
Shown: 2h46m37s
